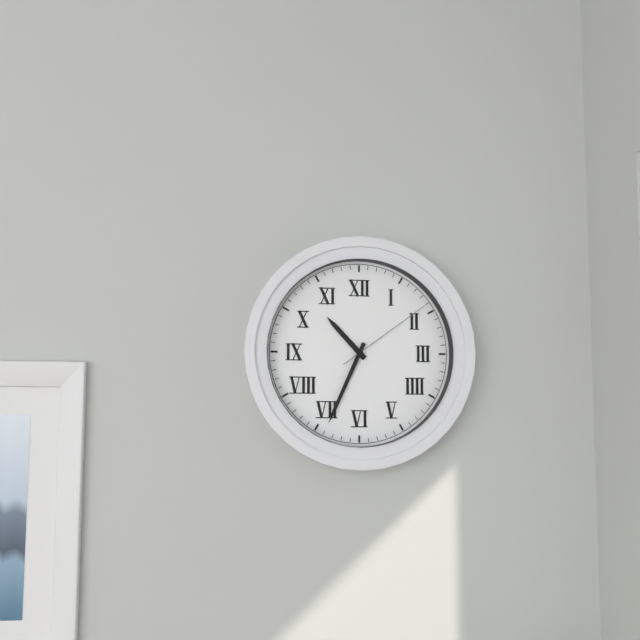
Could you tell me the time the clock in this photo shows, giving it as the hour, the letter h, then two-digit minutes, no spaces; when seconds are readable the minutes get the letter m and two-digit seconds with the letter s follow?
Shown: 10h34m09s
